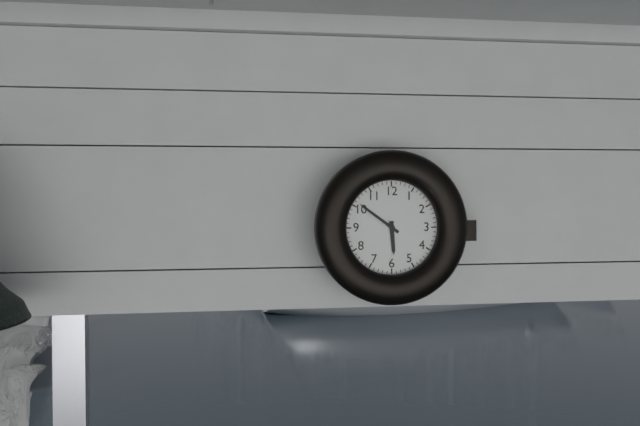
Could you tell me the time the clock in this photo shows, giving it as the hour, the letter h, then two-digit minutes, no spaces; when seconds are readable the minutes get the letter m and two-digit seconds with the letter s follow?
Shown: 5h51
